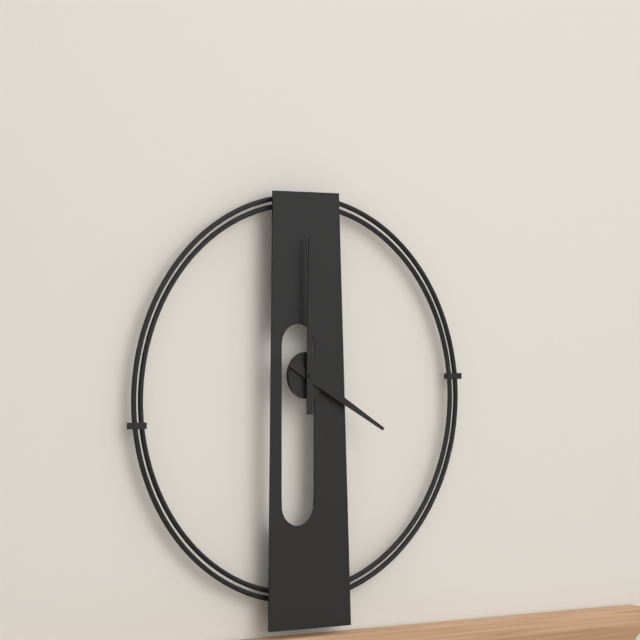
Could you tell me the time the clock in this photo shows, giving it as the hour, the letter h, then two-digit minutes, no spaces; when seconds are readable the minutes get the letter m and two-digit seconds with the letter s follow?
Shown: 4h00
